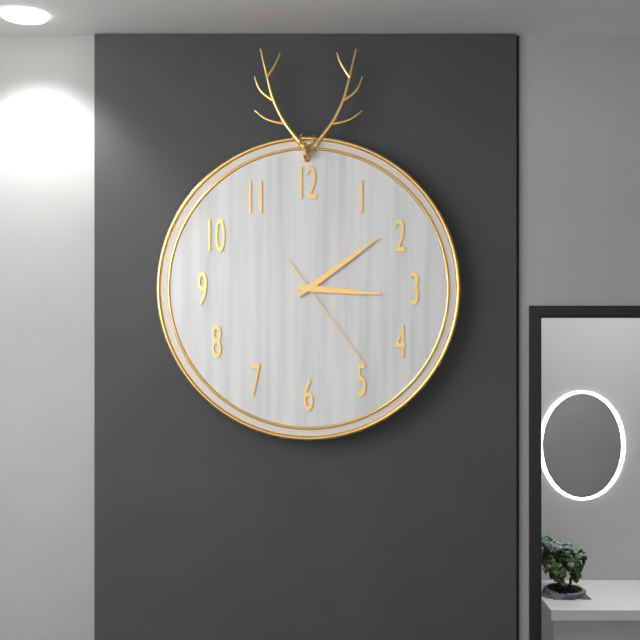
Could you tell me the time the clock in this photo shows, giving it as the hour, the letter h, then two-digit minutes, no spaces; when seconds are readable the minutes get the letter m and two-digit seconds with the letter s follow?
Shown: 3h09m24s
